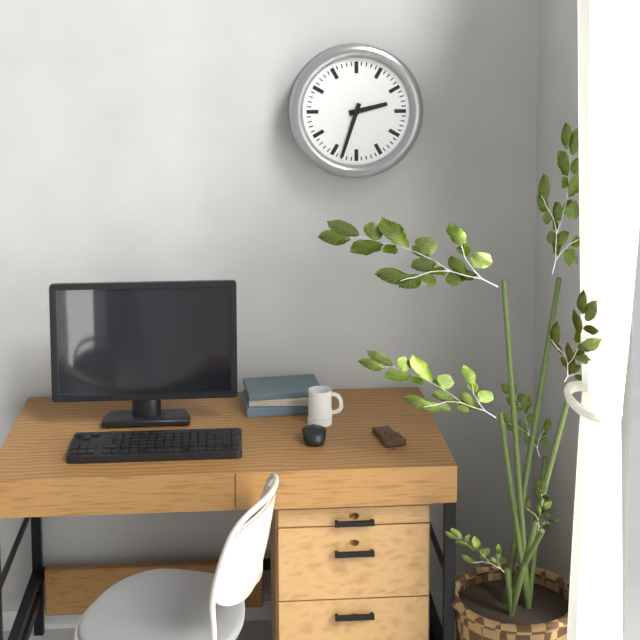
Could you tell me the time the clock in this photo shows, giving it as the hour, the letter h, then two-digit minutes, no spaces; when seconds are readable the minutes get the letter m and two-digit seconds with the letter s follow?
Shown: 2h33
